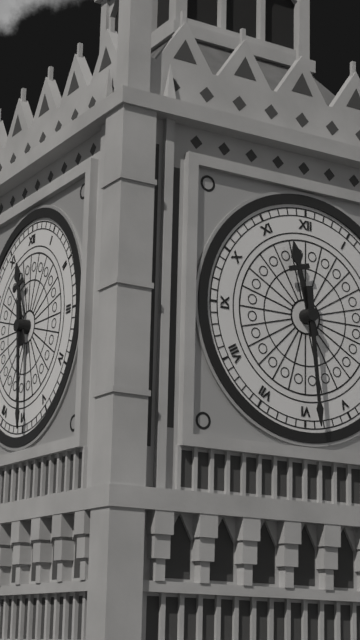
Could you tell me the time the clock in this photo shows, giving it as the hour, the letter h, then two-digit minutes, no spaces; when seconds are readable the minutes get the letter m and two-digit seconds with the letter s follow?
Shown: 11h29
